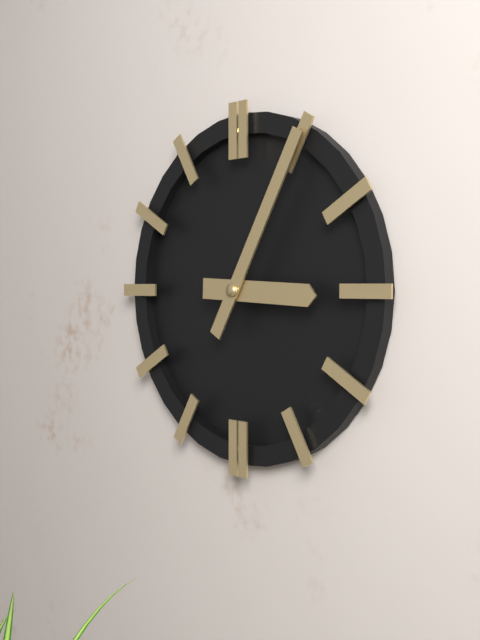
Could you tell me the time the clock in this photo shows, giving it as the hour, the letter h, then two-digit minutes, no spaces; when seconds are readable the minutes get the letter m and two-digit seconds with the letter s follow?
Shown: 3h05
